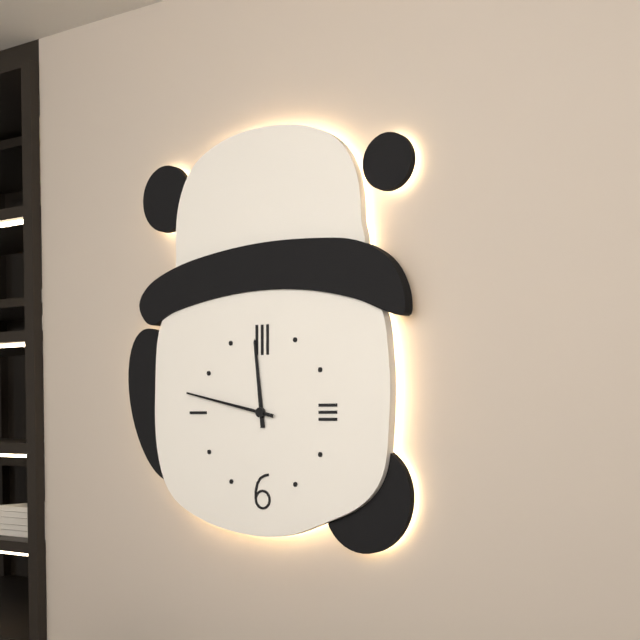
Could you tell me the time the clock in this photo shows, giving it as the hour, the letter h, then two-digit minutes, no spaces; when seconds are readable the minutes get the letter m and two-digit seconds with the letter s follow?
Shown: 11h47
